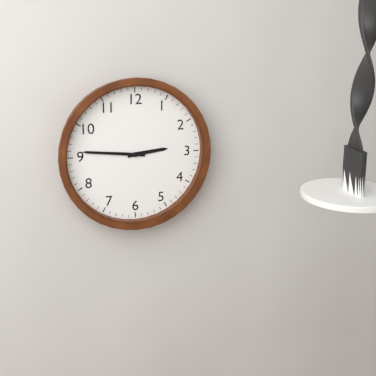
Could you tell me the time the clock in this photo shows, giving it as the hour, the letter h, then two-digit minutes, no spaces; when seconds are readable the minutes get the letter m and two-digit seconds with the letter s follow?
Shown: 2h46
